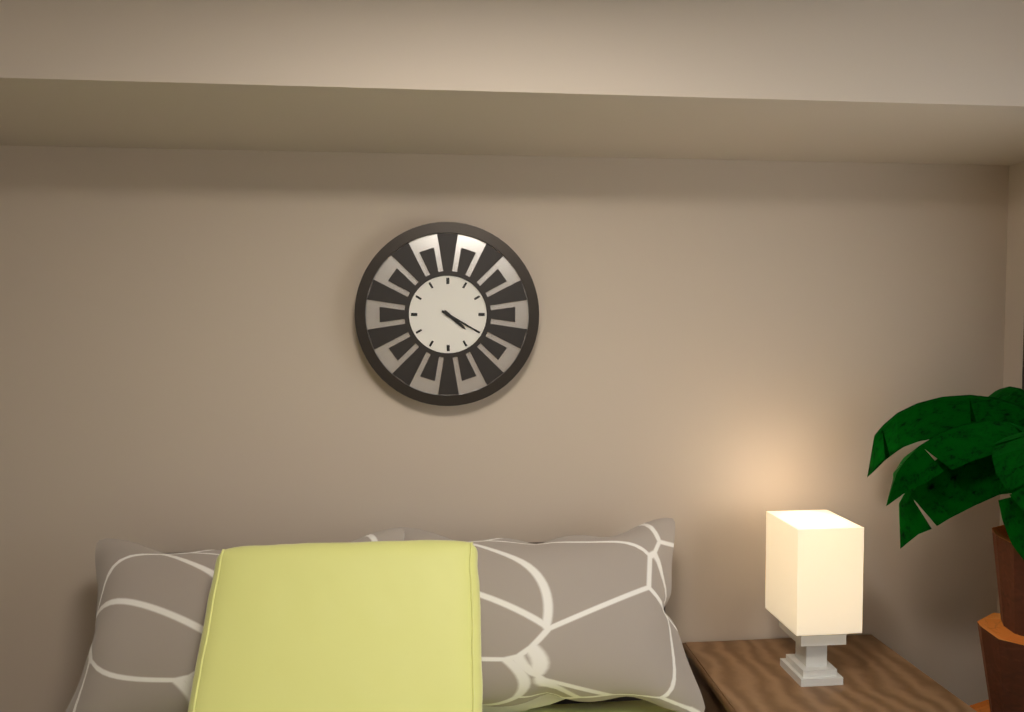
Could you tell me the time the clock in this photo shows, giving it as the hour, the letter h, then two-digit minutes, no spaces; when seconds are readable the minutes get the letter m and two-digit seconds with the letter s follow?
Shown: 4h20
